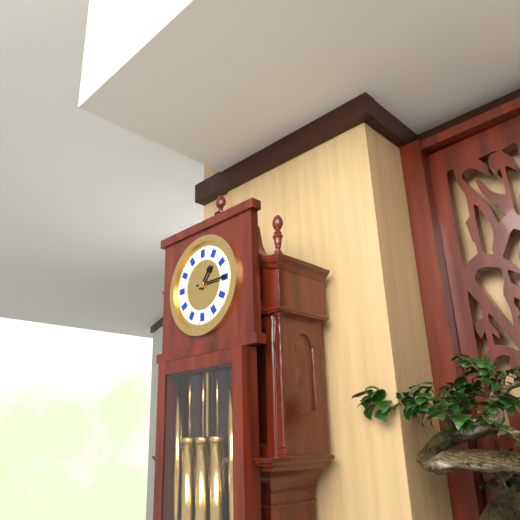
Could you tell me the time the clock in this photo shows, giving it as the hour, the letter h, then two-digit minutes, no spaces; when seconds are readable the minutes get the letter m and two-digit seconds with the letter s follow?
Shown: 1h15
